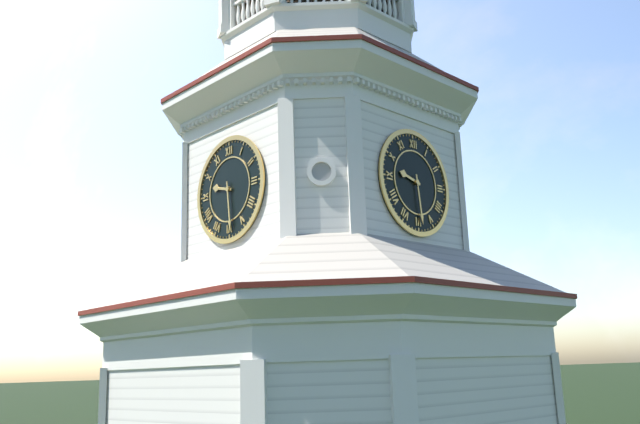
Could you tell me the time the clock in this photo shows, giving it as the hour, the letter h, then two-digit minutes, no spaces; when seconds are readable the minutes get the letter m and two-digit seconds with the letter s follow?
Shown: 9h29
